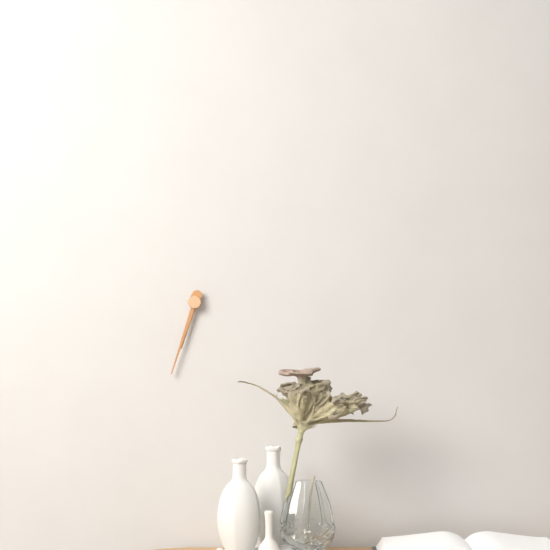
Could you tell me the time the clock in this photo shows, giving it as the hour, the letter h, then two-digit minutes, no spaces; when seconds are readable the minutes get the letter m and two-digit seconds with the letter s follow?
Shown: 6h33
